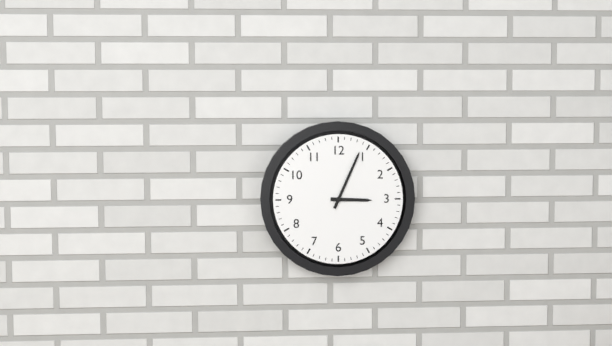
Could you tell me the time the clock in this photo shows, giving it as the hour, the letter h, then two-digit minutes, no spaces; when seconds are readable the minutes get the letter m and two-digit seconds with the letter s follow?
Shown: 3h04
